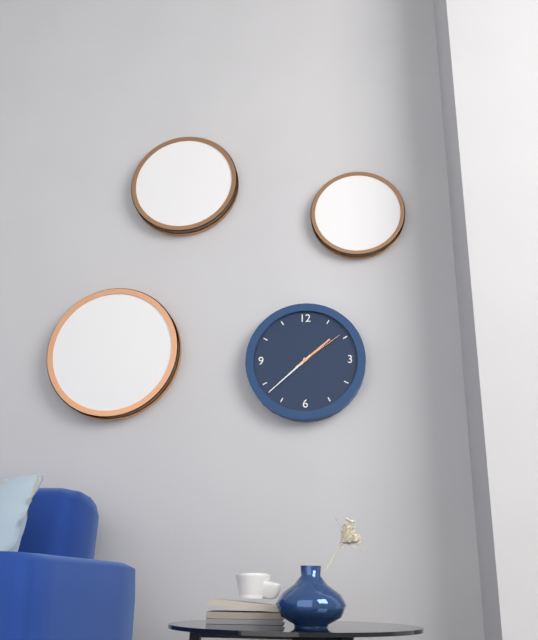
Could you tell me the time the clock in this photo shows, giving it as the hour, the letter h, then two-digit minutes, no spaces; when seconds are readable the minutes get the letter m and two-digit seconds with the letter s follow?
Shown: 1h38m09s
